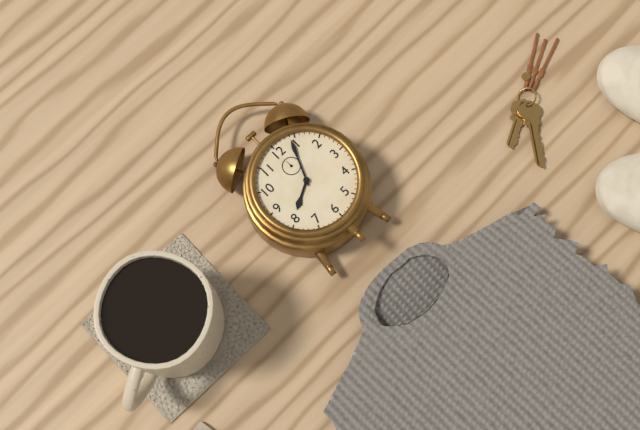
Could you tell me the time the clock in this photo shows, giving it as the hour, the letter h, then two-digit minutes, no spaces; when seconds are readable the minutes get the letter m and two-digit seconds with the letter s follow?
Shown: 8h04
